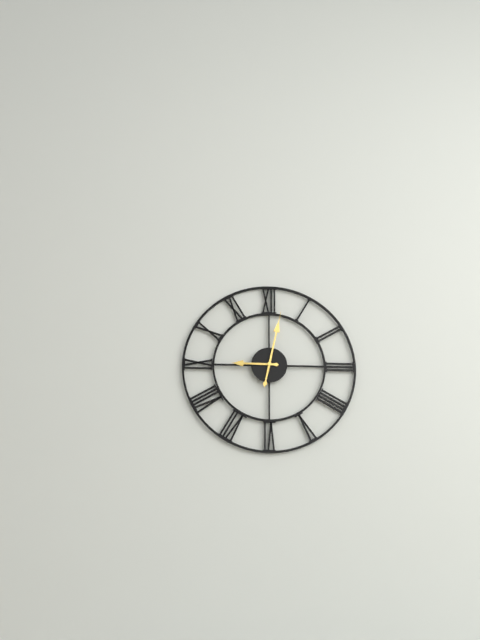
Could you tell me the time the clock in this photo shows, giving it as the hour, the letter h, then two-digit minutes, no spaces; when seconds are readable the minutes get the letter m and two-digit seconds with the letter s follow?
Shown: 9h02
